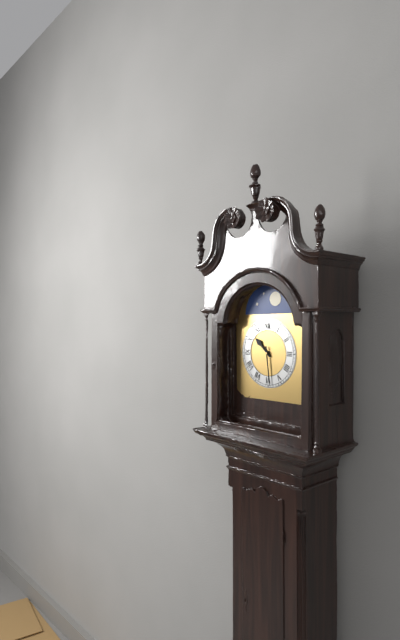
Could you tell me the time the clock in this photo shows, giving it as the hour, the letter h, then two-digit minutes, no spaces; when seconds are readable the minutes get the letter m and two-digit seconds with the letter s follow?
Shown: 10h29
